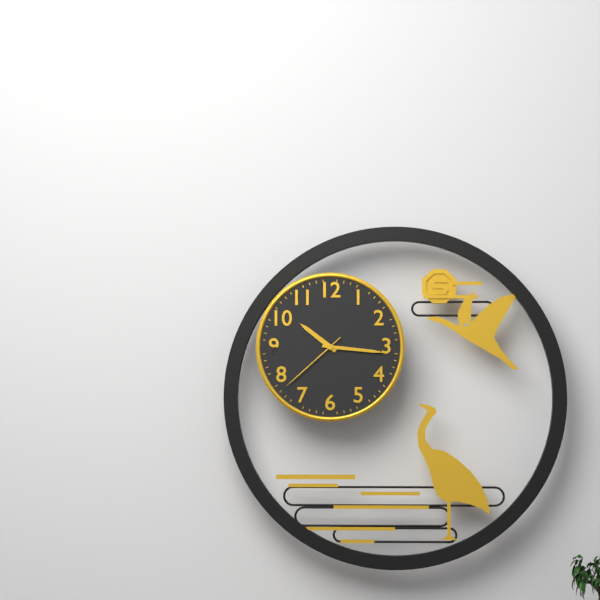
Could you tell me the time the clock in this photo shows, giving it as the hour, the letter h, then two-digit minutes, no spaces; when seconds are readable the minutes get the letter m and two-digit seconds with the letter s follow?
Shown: 10h16m38s
